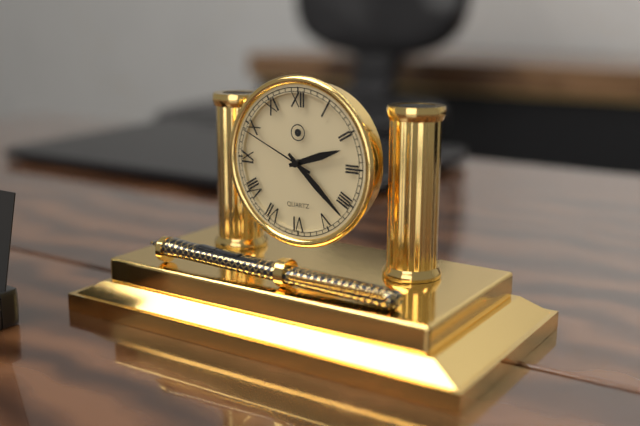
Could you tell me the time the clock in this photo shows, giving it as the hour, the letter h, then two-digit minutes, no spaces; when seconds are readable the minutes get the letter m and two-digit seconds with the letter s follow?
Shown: 2h22m49s
